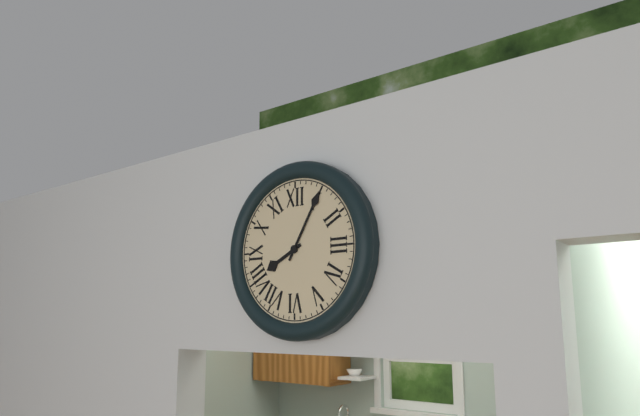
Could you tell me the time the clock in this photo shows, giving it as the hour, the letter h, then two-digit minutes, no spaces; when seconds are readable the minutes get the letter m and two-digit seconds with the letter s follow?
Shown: 8h05
